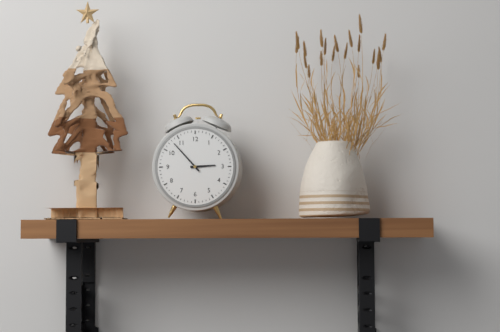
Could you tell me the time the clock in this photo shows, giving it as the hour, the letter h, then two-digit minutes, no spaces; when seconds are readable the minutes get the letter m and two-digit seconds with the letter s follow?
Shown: 2h53
